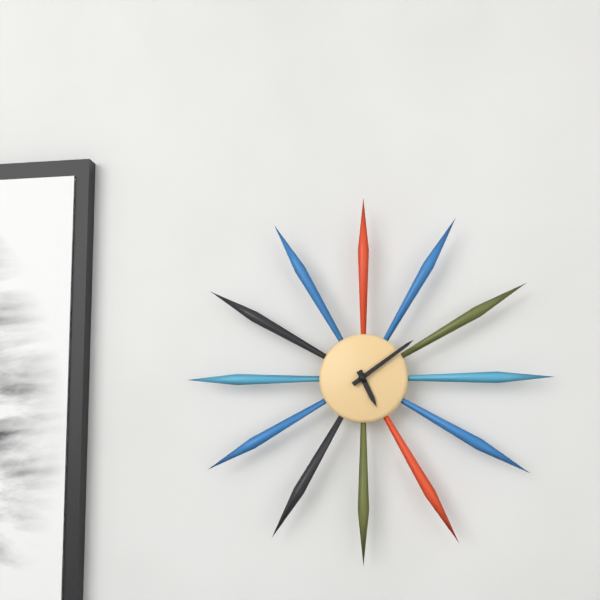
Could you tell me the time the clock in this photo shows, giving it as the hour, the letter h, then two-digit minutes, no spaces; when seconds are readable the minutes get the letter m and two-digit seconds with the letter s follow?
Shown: 5h09
